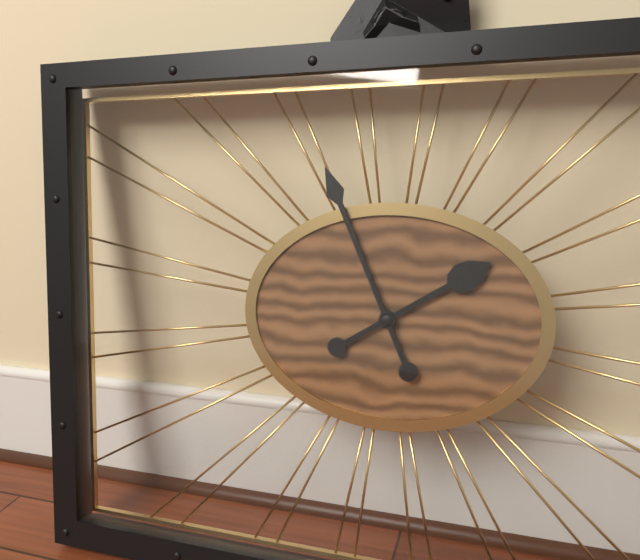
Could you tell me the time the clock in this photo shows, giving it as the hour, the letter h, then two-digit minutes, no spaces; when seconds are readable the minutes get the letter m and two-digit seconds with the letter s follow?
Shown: 1h56
